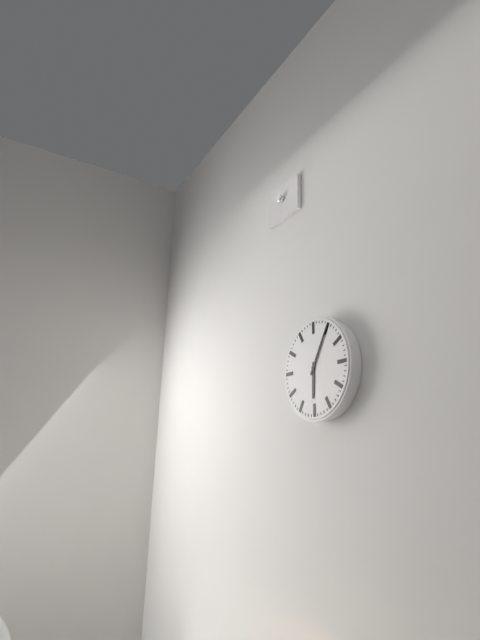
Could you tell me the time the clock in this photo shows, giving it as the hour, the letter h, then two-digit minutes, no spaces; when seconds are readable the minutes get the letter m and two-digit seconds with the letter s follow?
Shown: 6h05
